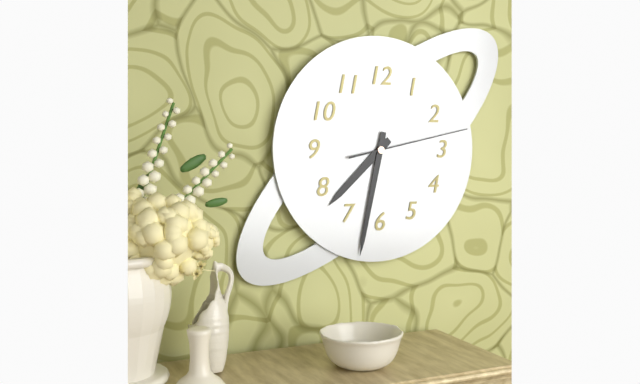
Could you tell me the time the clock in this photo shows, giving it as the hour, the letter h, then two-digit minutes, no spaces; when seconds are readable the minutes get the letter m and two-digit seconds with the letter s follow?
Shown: 7h32m13s
